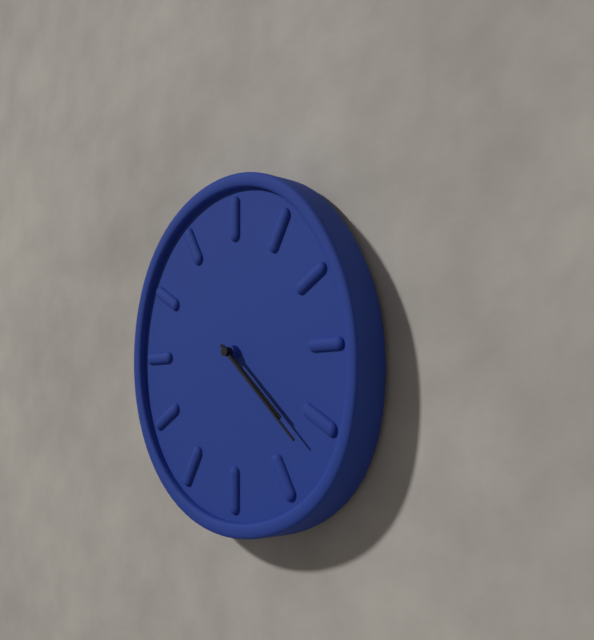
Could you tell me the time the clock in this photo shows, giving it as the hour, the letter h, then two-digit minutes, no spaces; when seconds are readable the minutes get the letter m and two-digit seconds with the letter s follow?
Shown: 4h22
